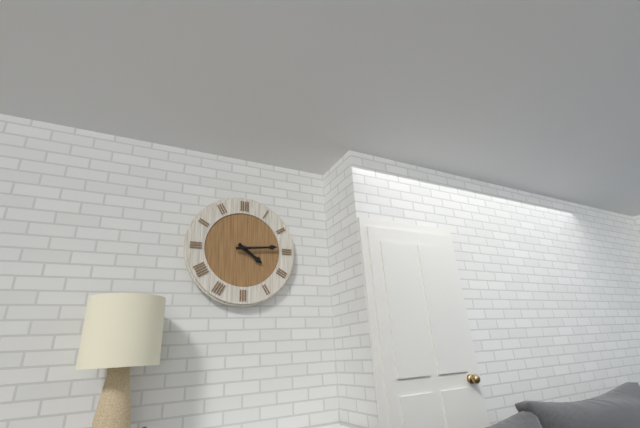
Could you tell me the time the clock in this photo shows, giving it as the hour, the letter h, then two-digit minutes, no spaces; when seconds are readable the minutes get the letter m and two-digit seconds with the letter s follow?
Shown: 4h14
